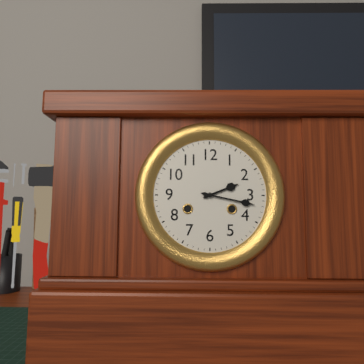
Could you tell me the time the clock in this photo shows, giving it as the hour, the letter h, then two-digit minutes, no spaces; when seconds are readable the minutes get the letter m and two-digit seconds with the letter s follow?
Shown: 2h17
